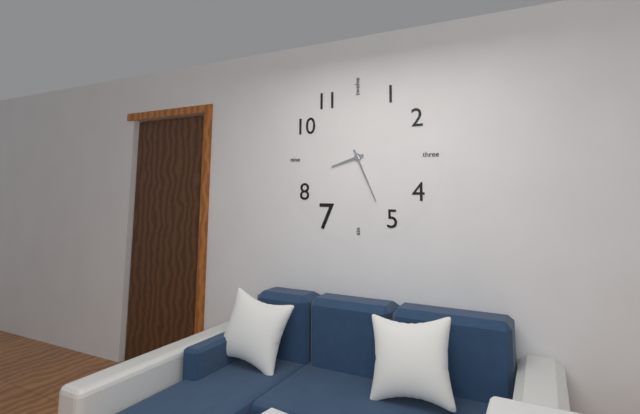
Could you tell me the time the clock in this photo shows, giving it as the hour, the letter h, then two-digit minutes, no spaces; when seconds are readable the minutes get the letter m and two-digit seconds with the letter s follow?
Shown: 8h26
